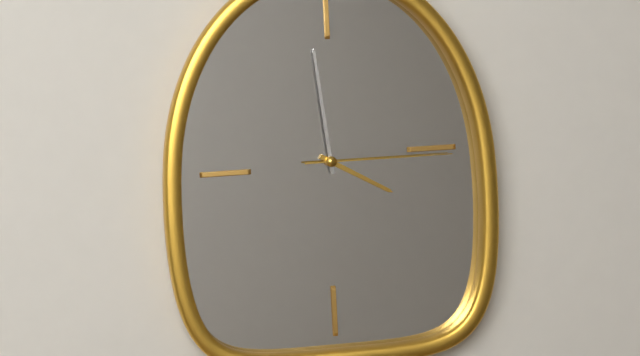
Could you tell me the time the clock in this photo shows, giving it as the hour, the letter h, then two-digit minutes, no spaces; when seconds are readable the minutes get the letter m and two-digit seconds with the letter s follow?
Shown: 3h59m15s
